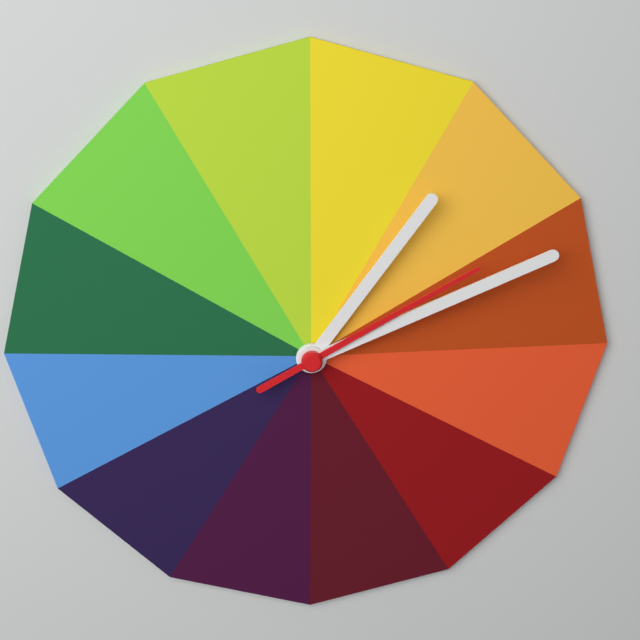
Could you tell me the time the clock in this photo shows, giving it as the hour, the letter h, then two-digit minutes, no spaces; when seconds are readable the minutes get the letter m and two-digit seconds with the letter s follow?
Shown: 1h11m10s
